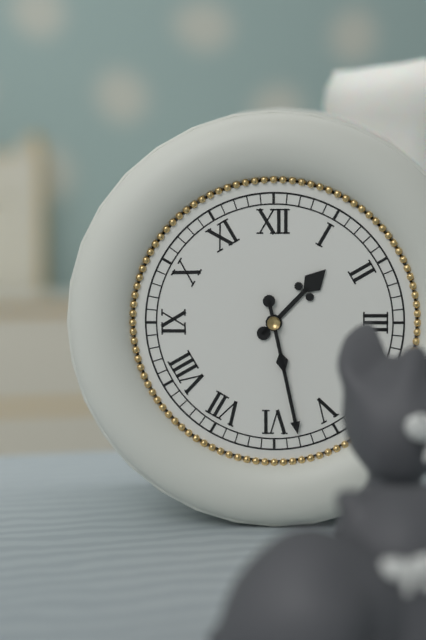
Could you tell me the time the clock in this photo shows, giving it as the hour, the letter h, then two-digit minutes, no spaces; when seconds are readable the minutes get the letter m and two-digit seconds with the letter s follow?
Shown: 1h28
